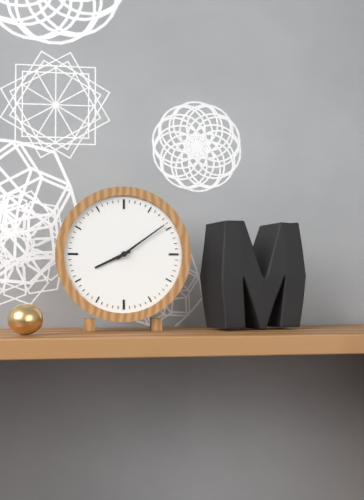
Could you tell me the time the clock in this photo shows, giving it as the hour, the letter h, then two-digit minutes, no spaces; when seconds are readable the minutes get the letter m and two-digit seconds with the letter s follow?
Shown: 8h09
